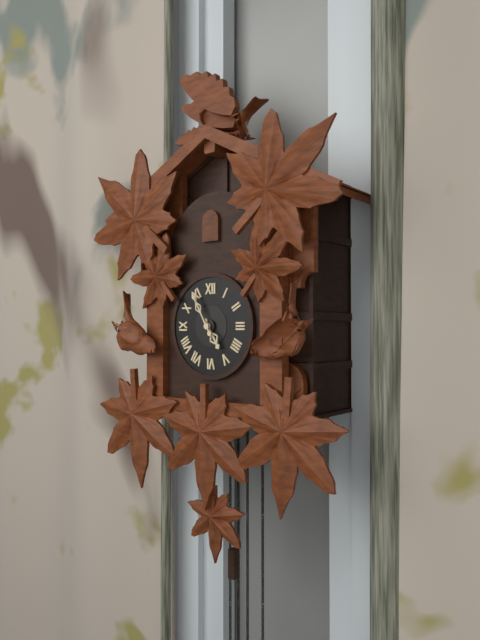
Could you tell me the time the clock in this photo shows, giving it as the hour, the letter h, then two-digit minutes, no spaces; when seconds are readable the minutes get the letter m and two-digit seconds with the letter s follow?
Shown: 4h55
